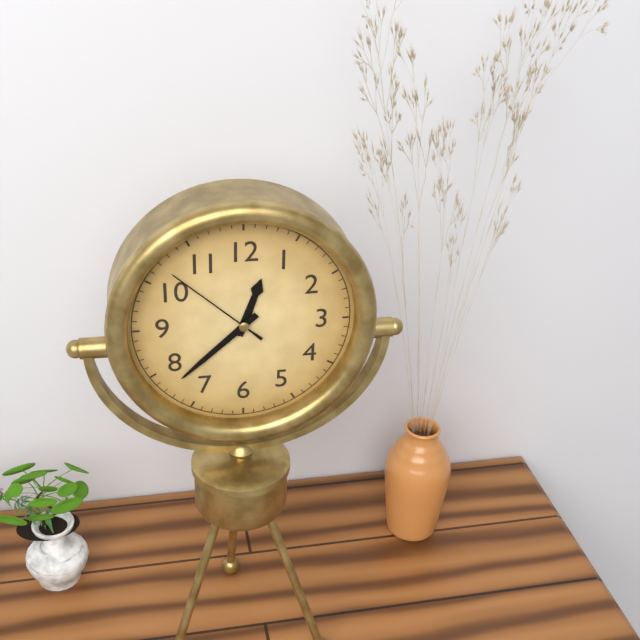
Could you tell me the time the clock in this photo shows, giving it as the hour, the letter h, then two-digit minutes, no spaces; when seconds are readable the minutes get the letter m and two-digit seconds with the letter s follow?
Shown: 12h38m52s
